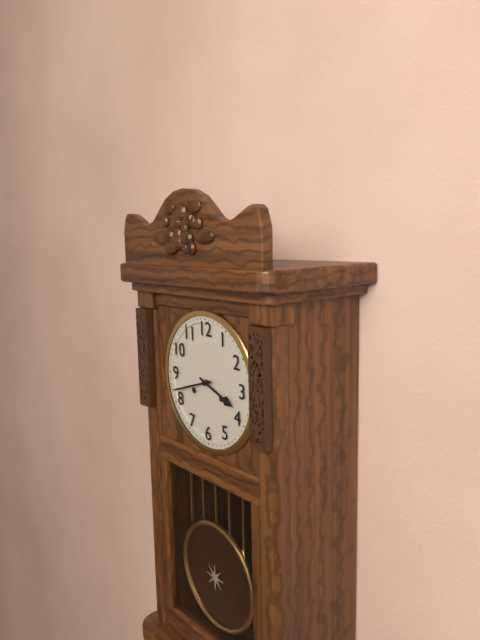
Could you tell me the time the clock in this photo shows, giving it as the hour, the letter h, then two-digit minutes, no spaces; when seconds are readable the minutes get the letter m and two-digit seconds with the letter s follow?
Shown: 3h42
